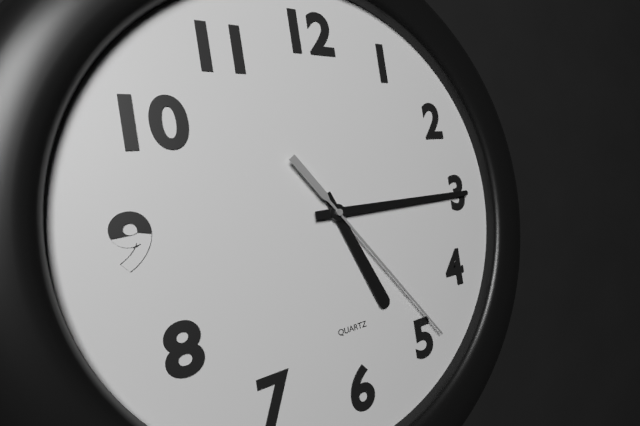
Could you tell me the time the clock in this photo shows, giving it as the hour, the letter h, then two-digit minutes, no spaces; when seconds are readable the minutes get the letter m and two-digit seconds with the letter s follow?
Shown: 5h15m24s
